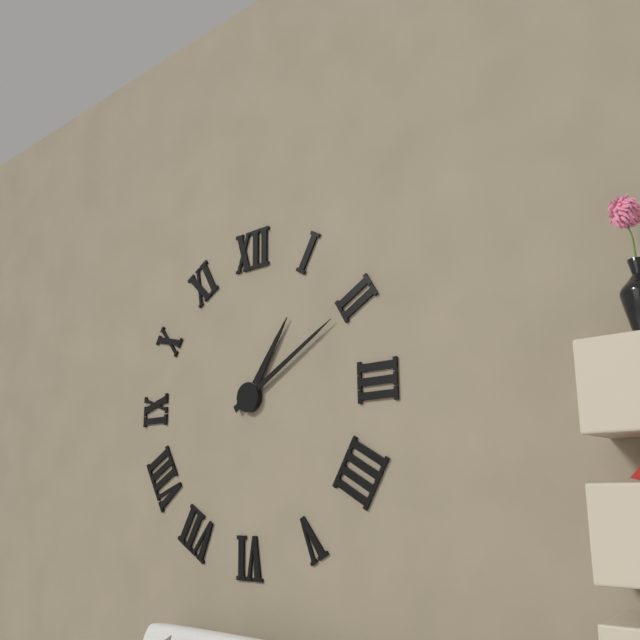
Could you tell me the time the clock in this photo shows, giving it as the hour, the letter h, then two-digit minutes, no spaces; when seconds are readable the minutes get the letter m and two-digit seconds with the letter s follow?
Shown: 1h10
